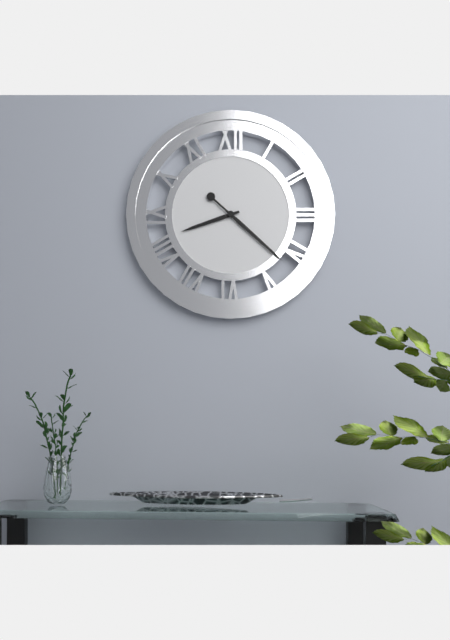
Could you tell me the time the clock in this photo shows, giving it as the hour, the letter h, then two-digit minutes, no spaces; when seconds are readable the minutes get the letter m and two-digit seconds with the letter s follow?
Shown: 8h22
